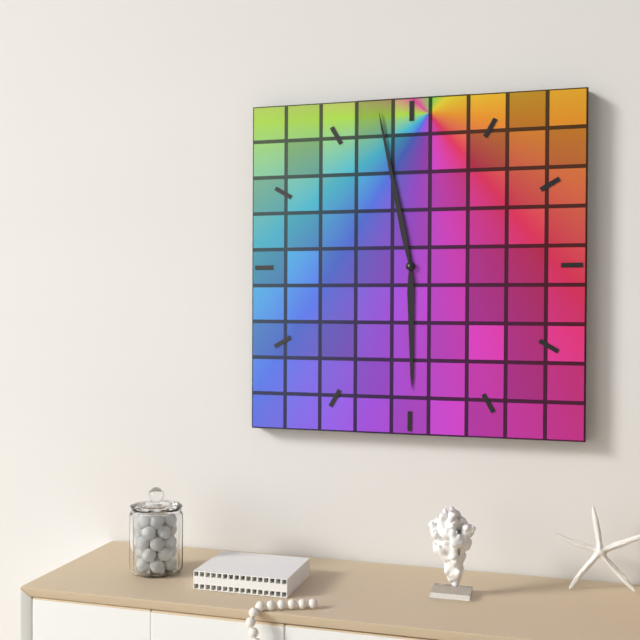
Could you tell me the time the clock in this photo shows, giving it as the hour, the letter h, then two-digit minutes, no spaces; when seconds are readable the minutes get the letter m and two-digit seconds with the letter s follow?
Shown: 5h58
